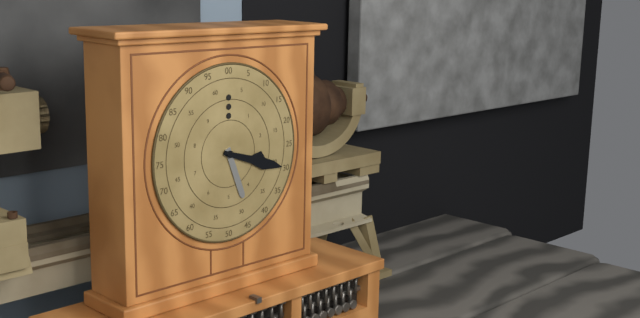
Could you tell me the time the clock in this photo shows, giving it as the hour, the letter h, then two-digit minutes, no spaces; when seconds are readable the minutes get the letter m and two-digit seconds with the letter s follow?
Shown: 5h18
